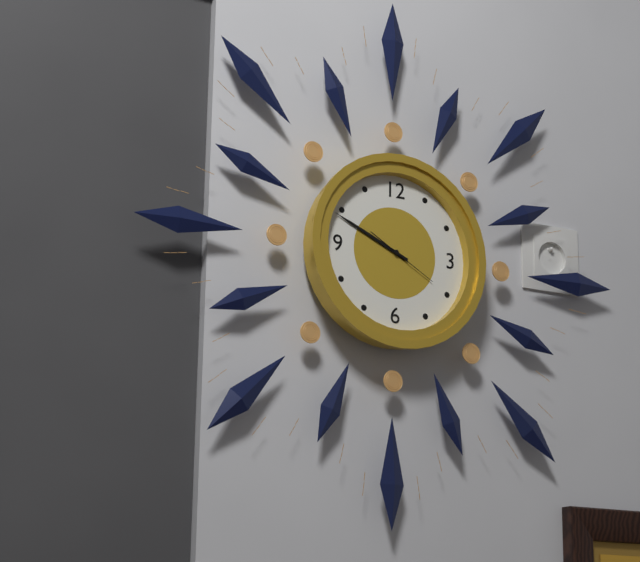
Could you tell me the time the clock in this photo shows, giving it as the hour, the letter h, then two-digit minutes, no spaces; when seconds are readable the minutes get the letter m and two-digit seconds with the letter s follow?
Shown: 9h49m20s
